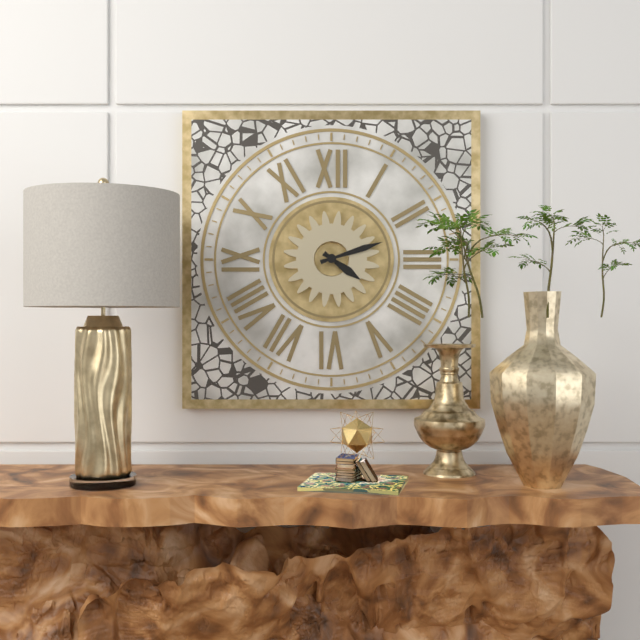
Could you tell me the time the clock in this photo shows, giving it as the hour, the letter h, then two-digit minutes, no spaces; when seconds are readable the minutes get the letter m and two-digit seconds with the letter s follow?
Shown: 4h12
